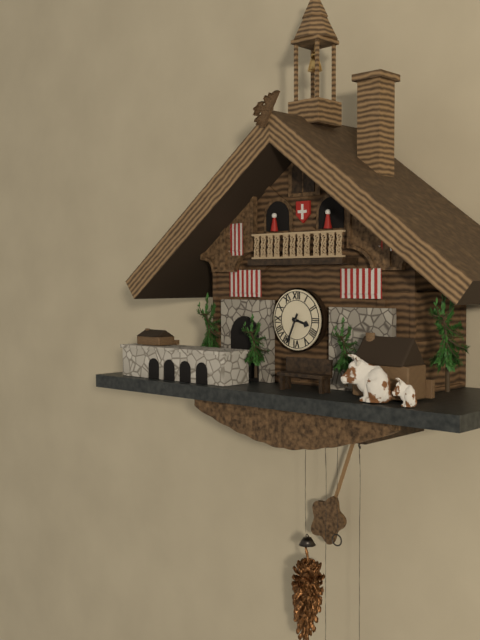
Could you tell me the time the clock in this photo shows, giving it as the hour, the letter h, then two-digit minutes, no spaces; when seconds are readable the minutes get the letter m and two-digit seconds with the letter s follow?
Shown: 3h34
